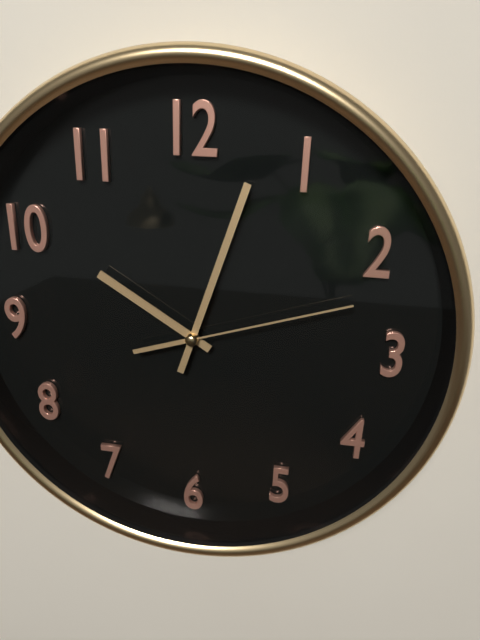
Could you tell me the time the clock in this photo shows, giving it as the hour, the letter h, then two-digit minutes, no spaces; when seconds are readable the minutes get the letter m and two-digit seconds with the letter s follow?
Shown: 10h03m12s
